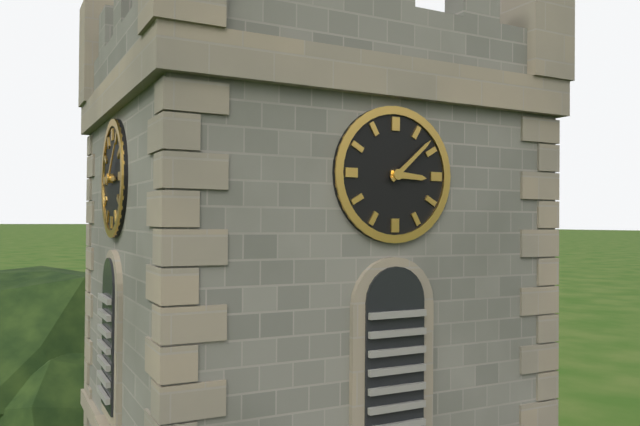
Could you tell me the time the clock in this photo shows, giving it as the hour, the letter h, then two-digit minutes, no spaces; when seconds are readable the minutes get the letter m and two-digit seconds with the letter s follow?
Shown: 3h08
